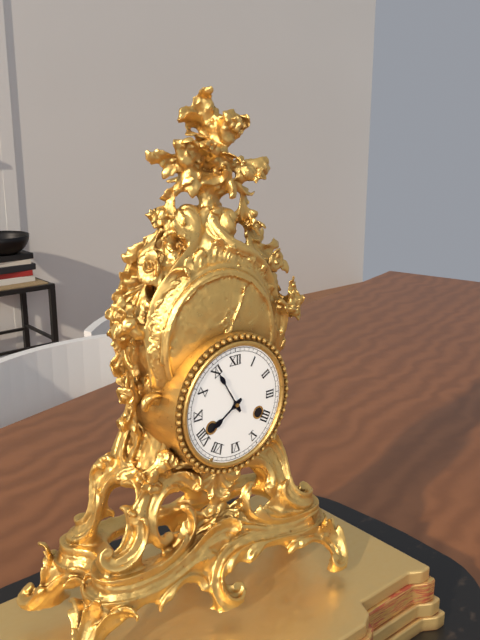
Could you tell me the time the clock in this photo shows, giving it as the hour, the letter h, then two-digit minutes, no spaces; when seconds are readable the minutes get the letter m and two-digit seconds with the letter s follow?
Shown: 7h55
